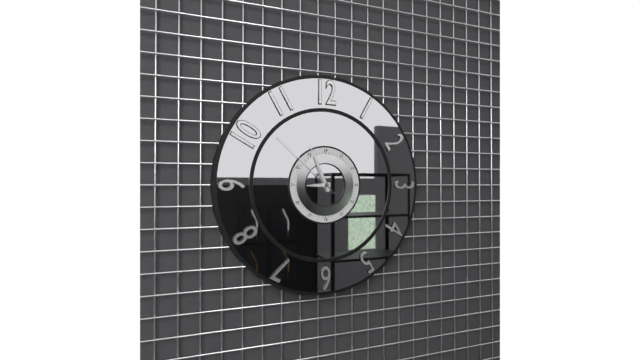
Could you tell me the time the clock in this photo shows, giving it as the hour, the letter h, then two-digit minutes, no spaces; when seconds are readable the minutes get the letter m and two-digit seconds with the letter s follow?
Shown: 8h56m52s
